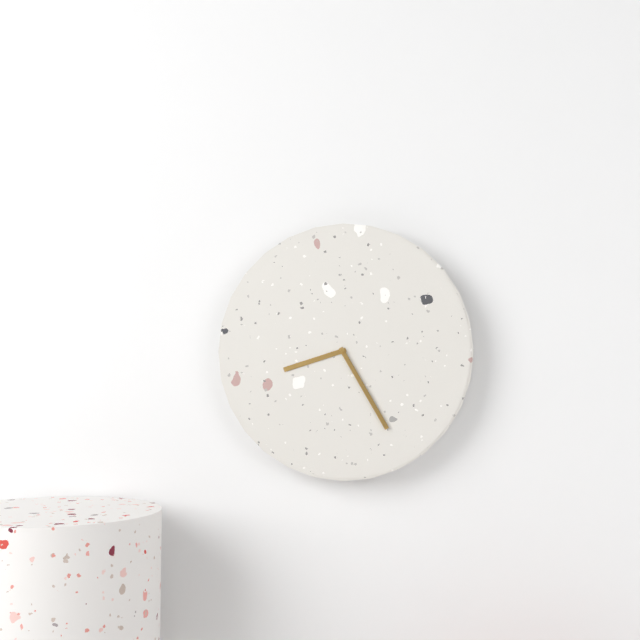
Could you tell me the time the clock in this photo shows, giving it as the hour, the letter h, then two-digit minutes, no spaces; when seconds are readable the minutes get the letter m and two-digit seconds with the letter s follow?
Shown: 8h25
